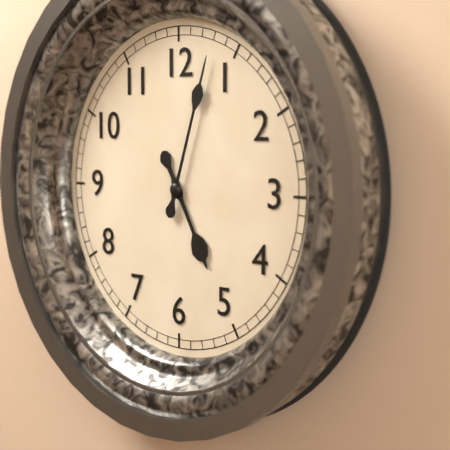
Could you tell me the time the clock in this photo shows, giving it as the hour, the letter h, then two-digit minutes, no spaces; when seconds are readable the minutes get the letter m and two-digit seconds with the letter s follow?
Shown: 5h03
